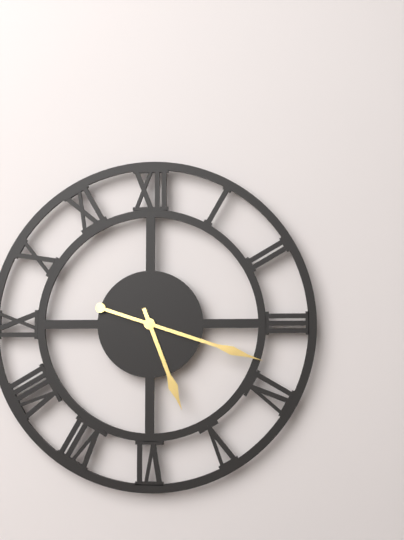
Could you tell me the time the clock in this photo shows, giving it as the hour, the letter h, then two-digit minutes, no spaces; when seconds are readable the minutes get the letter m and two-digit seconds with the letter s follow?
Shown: 5h18
